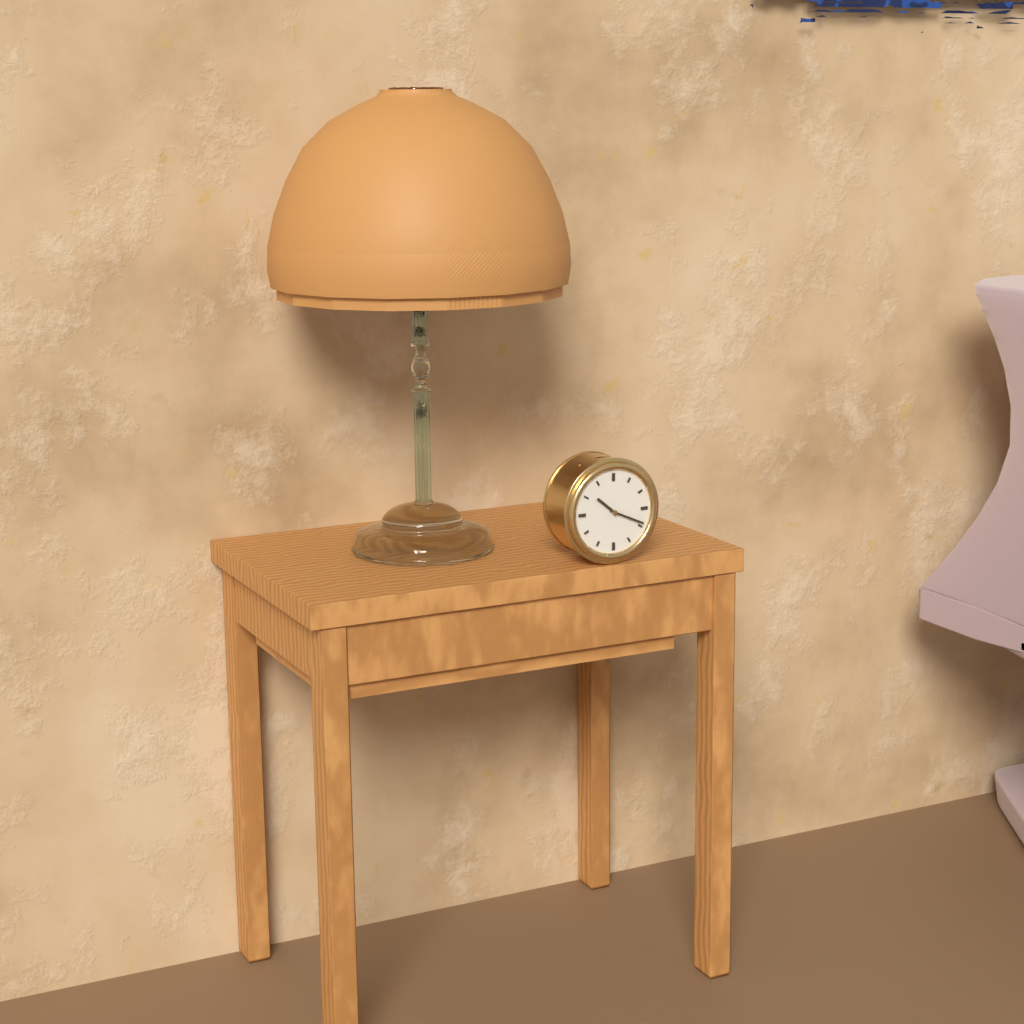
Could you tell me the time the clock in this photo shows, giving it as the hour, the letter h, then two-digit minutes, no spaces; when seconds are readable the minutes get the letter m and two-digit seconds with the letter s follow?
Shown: 10h19
